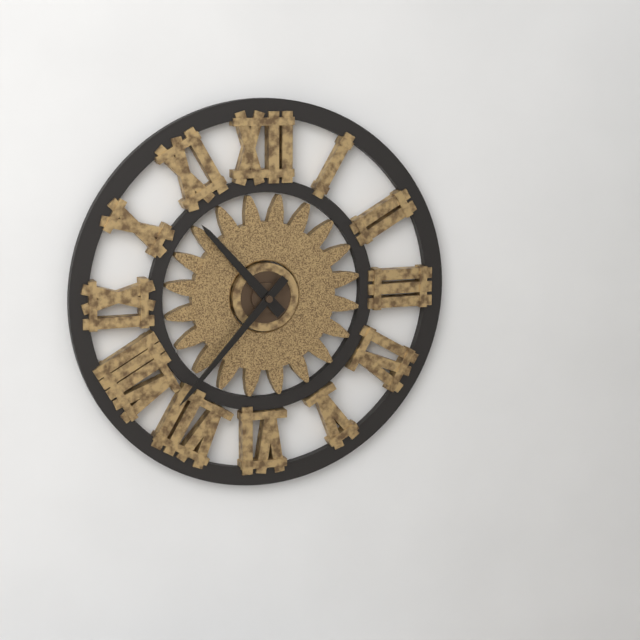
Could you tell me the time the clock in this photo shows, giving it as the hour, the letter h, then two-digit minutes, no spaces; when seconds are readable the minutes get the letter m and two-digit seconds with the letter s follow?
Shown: 10h37
